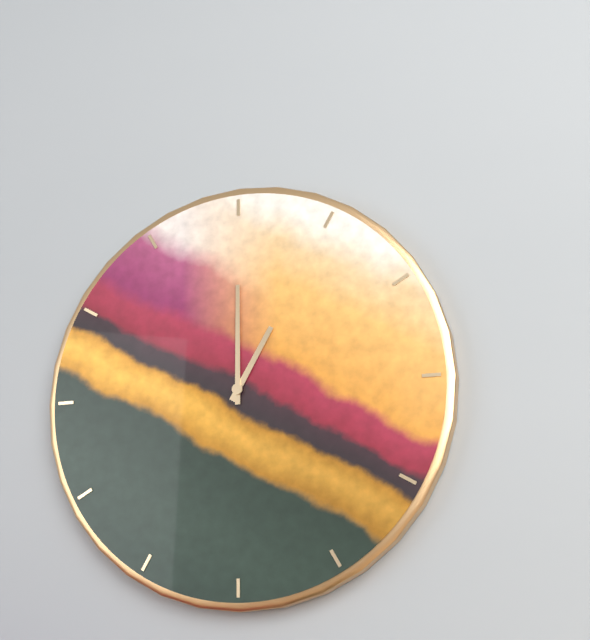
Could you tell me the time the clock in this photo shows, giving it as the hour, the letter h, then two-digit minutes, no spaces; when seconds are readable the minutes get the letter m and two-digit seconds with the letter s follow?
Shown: 1h00
